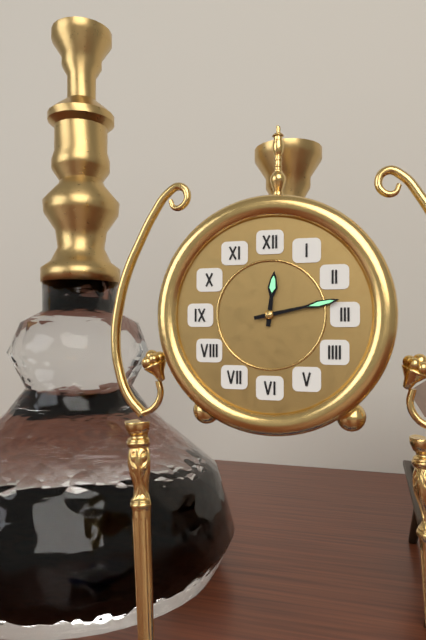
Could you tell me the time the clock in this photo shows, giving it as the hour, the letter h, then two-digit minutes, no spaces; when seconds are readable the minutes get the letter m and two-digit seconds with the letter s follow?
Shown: 12h13
